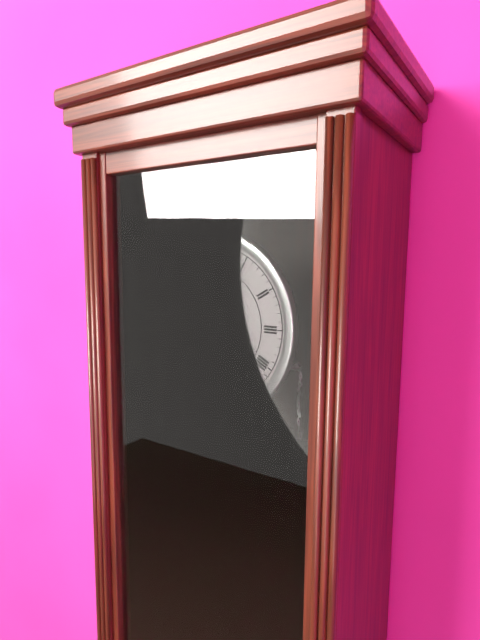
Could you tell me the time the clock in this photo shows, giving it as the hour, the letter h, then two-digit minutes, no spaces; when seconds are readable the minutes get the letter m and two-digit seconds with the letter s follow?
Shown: 4h52
